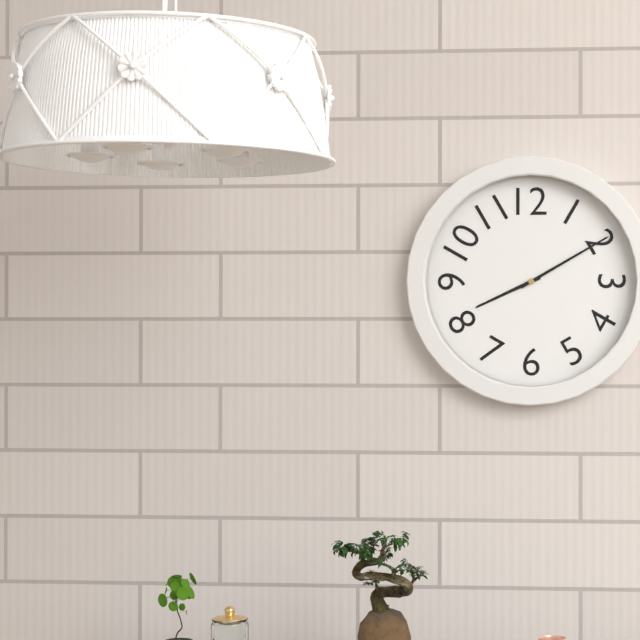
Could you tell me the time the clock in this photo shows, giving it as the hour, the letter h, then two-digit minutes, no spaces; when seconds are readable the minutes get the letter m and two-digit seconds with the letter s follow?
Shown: 8h10
